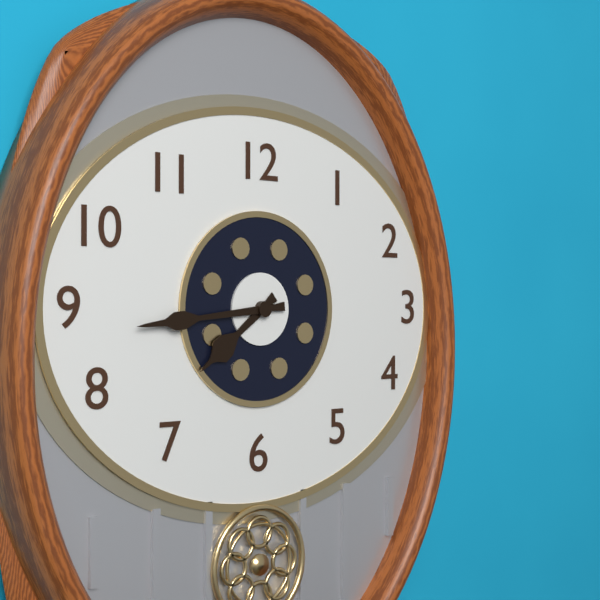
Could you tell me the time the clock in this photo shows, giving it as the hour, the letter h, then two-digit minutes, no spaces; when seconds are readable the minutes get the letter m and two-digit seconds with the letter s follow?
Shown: 7h44
